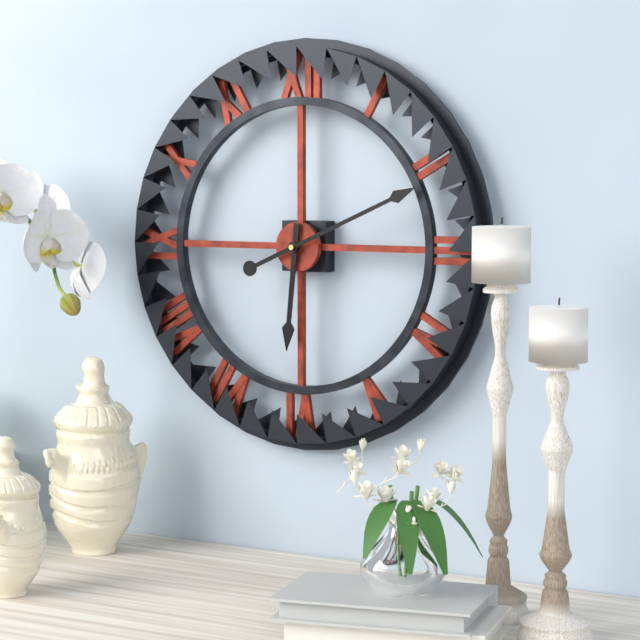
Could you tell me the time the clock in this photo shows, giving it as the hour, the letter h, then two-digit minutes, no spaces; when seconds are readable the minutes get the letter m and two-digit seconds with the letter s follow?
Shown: 6h11
